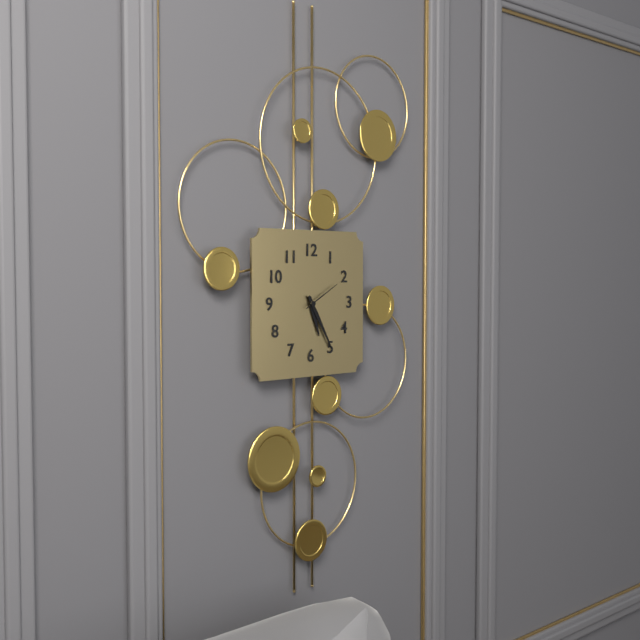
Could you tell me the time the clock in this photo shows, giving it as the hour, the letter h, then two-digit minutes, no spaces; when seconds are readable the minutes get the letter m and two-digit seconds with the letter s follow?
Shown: 5h25
